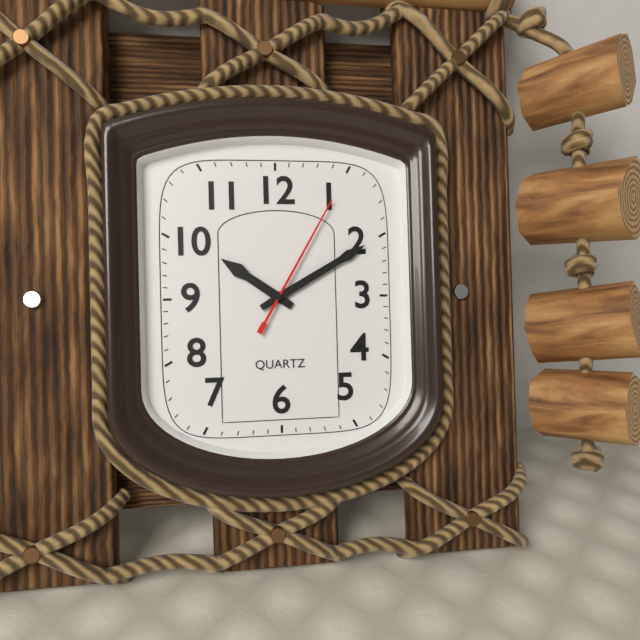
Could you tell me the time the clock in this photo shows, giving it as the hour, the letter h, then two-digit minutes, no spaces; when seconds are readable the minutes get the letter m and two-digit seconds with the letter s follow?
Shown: 10h10m05s
